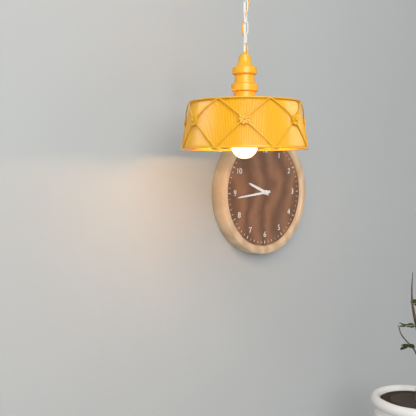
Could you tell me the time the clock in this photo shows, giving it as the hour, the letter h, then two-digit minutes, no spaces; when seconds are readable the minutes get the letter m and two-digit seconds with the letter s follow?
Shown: 9h44
